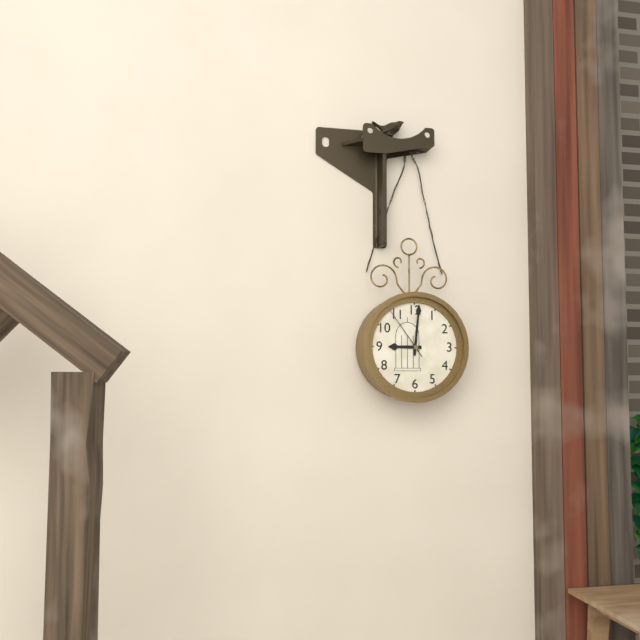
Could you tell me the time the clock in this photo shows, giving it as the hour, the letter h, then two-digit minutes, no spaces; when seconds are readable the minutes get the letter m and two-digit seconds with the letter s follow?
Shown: 9h01m54s
